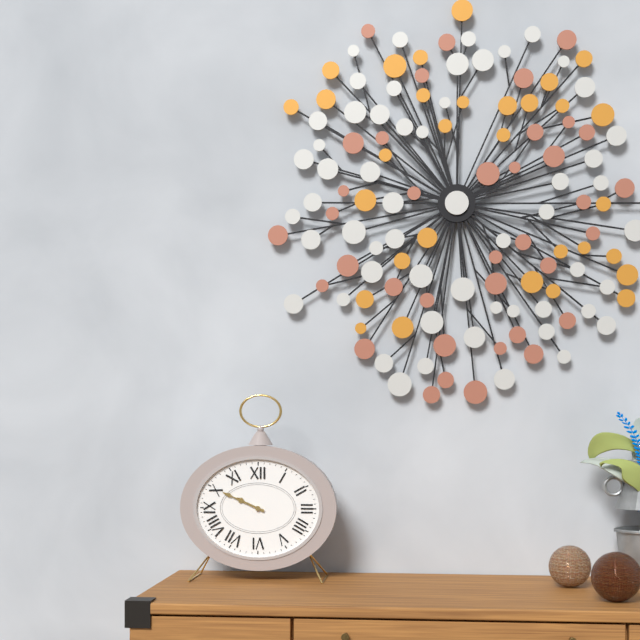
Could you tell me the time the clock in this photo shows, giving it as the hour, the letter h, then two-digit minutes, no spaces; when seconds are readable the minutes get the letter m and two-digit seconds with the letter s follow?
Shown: 9h49
